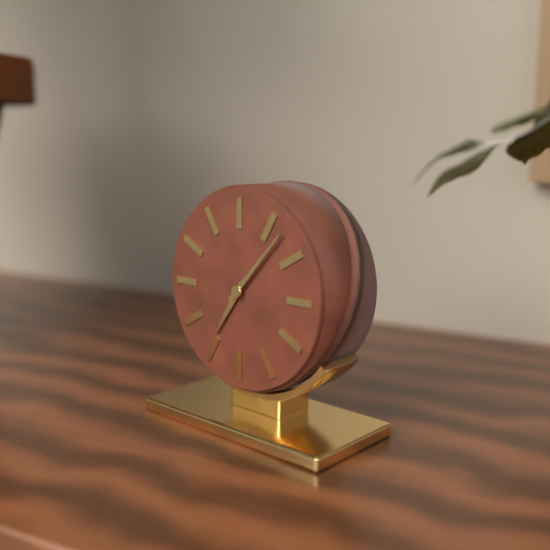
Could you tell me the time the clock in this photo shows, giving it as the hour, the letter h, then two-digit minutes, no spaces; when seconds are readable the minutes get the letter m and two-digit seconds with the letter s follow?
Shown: 7h07
